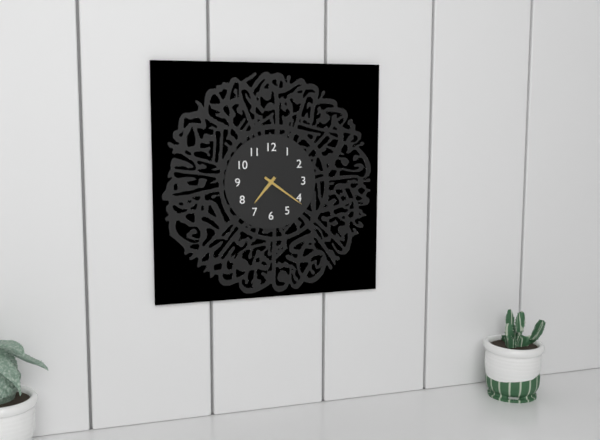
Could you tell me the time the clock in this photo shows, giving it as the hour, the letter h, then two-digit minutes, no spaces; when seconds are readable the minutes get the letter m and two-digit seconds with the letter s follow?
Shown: 7h21
